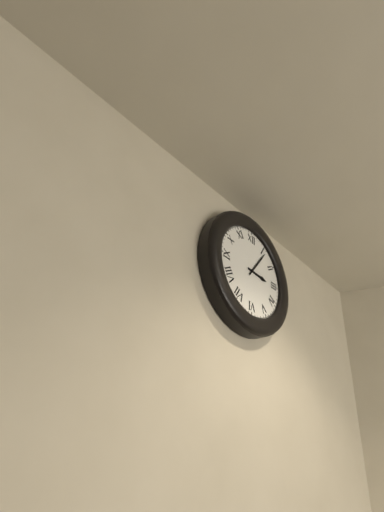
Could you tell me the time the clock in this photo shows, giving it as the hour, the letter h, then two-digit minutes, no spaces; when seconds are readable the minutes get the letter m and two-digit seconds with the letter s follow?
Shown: 3h06
